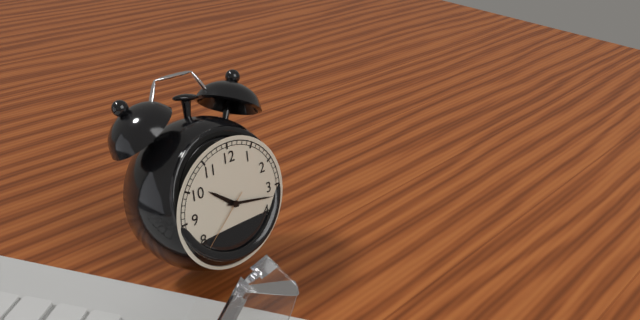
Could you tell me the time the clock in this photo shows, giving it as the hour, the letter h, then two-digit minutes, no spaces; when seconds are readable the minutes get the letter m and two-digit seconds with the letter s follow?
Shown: 10h17m38s
